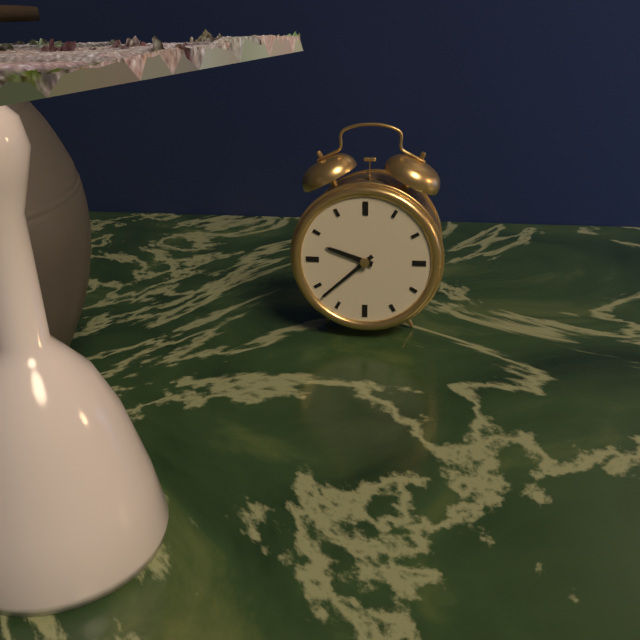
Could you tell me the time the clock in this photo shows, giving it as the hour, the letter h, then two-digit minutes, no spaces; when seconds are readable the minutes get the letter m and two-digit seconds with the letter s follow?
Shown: 9h38
